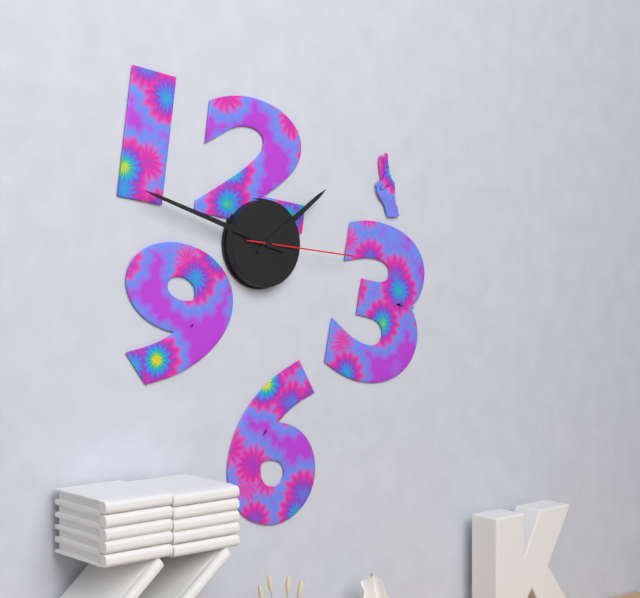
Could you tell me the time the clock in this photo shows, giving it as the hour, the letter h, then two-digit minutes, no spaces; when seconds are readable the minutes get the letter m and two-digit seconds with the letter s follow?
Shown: 1h48m16s
